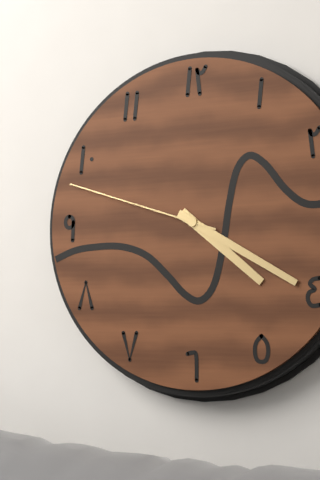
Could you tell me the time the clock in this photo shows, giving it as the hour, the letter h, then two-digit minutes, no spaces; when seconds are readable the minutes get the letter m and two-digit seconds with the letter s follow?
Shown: 4h20m48s
